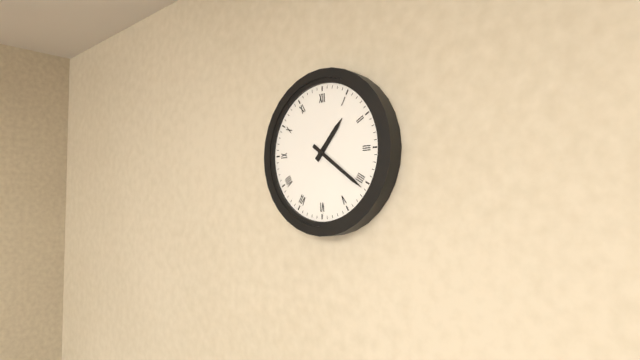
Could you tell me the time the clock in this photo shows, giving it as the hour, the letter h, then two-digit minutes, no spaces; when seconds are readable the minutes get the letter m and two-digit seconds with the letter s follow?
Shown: 1h21
